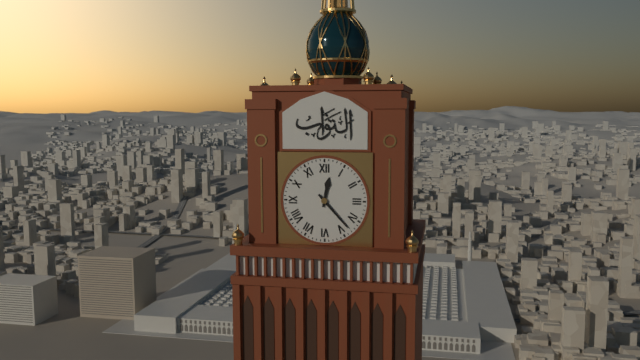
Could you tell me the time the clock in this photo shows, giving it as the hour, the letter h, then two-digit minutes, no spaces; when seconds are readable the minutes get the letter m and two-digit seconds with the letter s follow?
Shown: 12h23
